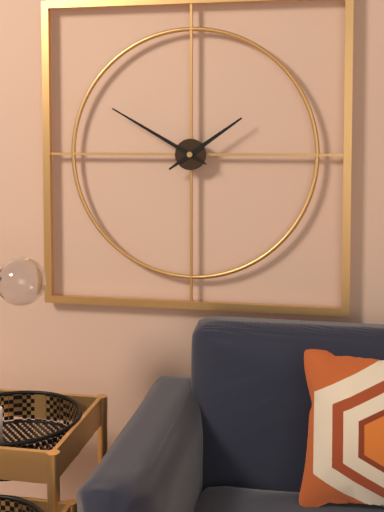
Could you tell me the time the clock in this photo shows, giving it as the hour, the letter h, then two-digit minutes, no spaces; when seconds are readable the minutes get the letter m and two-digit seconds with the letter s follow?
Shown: 1h50
